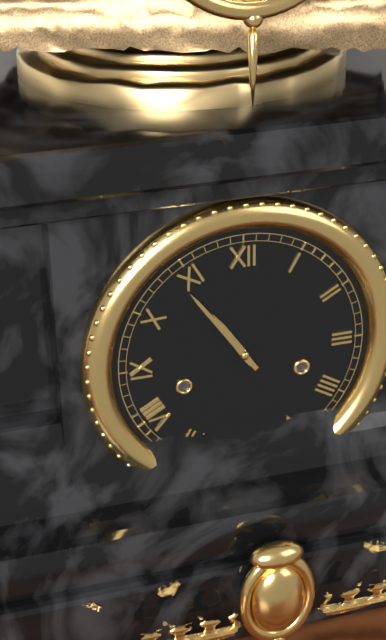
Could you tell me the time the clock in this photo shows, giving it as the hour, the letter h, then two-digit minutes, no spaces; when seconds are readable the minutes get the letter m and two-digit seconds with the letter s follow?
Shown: 10h54
